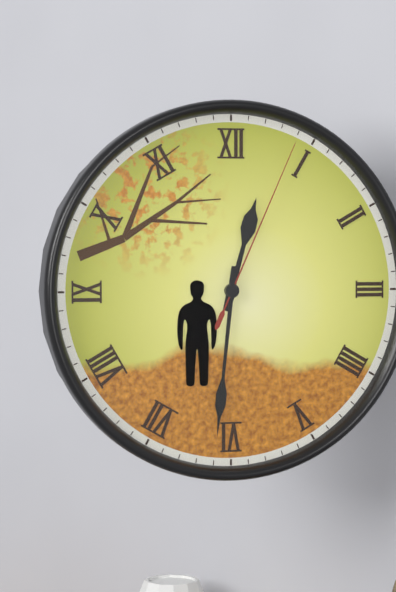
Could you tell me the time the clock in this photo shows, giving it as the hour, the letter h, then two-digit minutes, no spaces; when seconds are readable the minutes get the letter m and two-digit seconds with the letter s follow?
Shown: 12h31m04s
